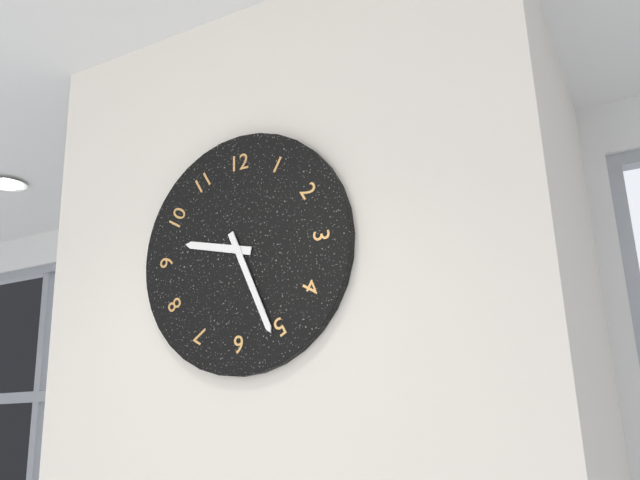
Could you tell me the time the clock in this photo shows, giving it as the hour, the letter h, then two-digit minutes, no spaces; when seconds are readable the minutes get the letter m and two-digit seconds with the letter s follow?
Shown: 9h26
